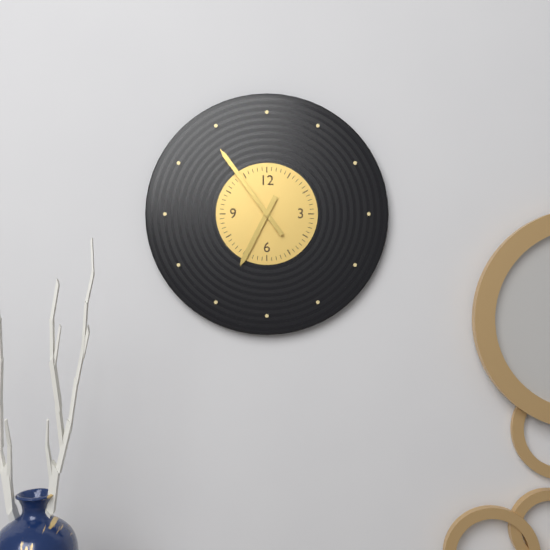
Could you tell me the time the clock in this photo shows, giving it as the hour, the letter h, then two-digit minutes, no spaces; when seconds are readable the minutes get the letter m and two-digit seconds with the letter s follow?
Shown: 6h54
